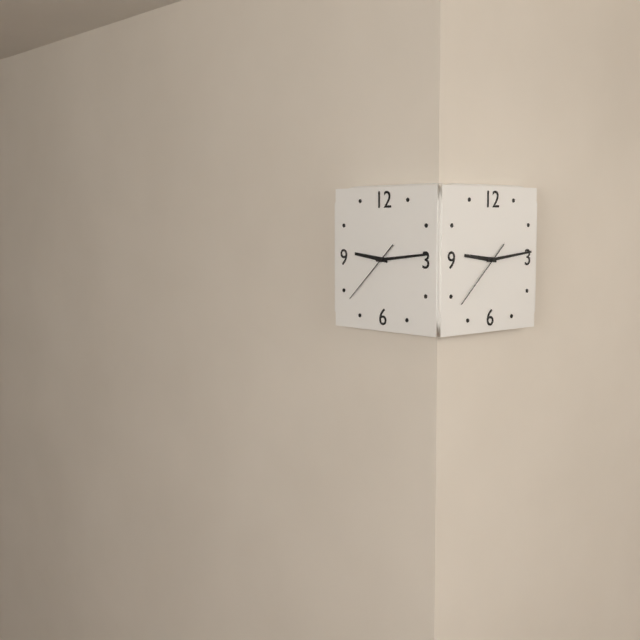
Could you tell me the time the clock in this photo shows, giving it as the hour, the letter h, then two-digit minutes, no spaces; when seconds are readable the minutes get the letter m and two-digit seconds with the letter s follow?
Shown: 9h14m38s
